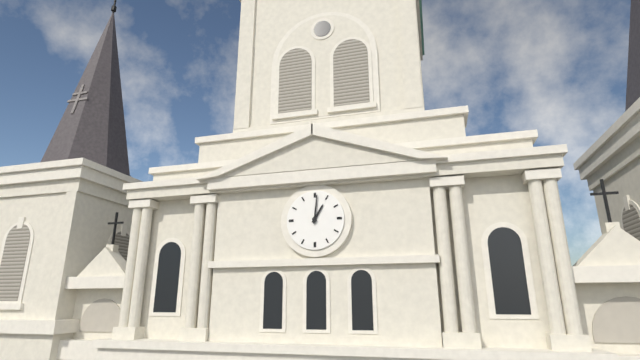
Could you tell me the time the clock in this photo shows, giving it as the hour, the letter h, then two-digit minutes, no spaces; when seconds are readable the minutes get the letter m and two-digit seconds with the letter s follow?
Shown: 1h01
